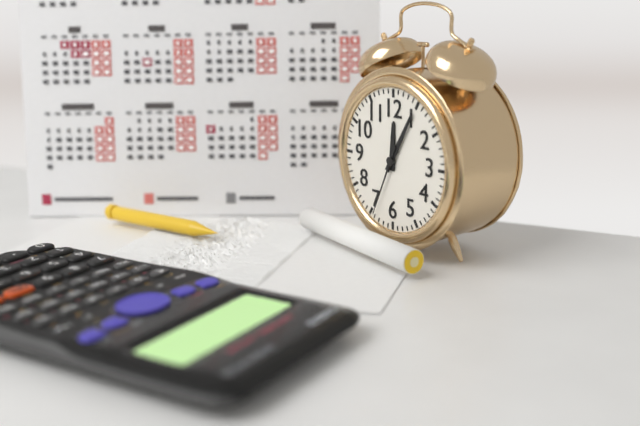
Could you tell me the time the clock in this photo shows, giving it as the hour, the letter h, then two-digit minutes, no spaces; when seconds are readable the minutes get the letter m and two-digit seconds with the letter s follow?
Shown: 12h05m34s
